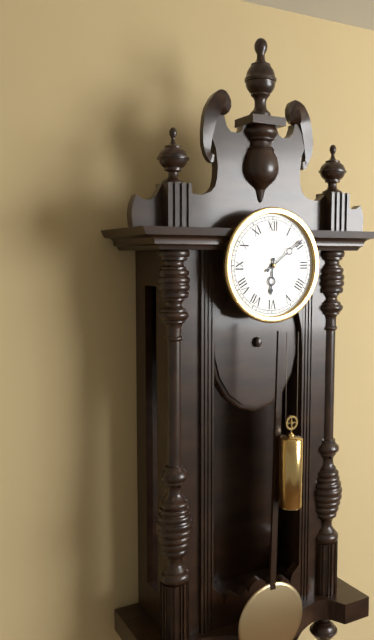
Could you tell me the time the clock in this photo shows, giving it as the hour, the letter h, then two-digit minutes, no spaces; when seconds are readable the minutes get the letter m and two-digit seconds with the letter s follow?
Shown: 6h09
